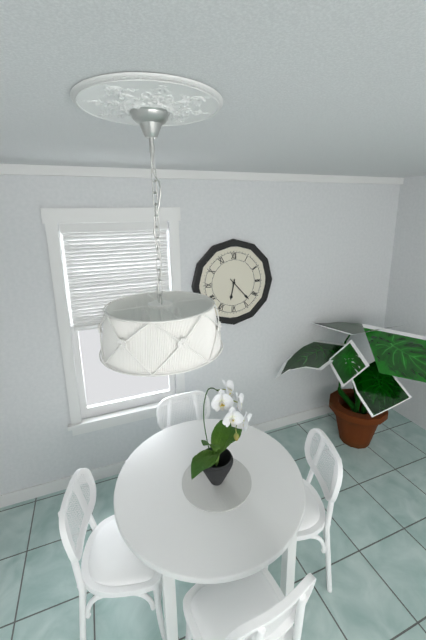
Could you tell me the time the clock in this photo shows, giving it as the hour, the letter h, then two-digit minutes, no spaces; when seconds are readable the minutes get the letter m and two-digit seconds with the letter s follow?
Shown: 6h23
